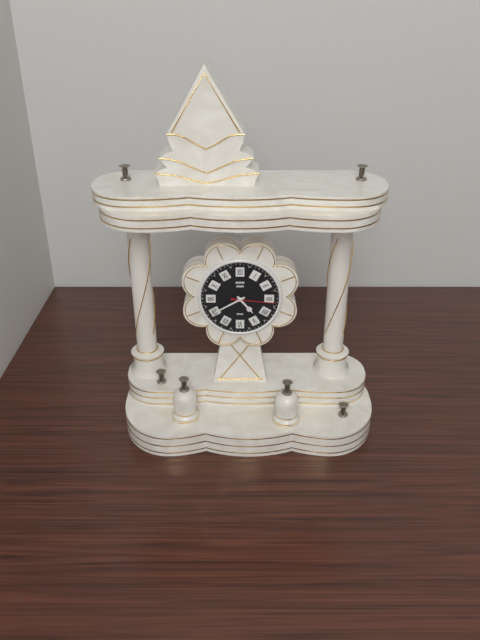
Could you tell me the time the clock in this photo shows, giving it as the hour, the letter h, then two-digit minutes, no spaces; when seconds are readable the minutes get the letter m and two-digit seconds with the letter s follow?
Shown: 4h40
